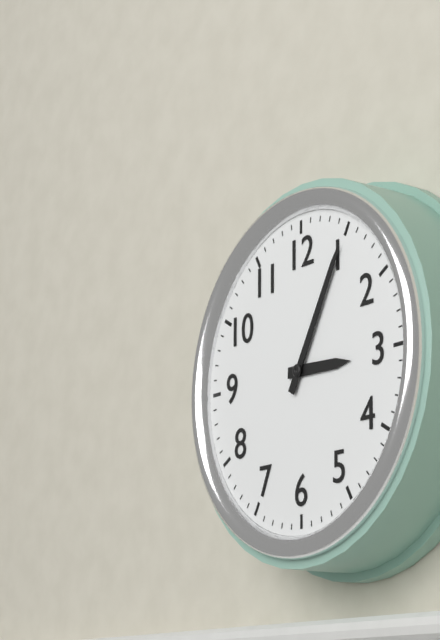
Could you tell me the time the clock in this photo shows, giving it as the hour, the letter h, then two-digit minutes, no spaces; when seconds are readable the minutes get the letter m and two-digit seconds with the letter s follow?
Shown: 3h05
